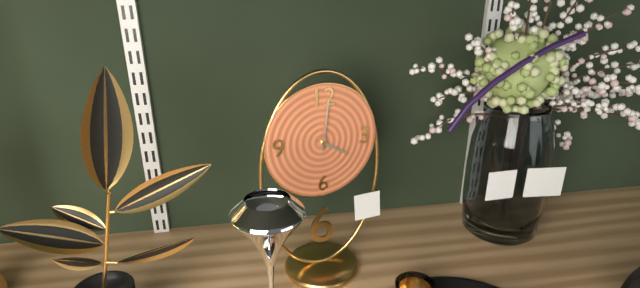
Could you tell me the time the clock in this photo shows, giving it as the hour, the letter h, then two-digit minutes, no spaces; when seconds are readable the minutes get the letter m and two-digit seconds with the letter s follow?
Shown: 4h01
